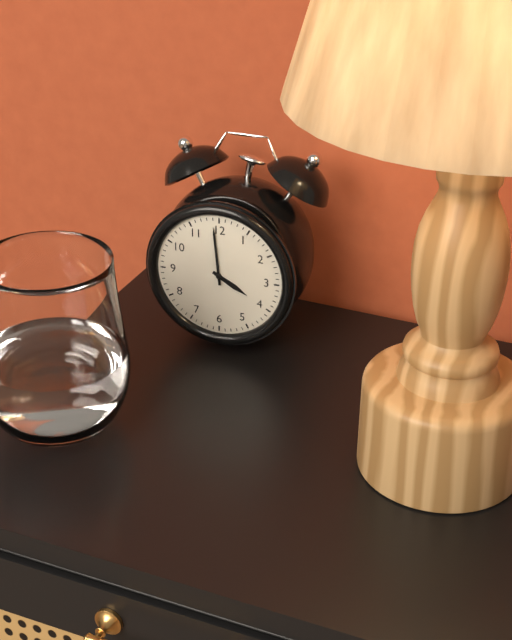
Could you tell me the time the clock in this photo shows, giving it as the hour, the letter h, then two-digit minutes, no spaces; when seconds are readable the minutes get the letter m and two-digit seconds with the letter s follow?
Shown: 3h59
